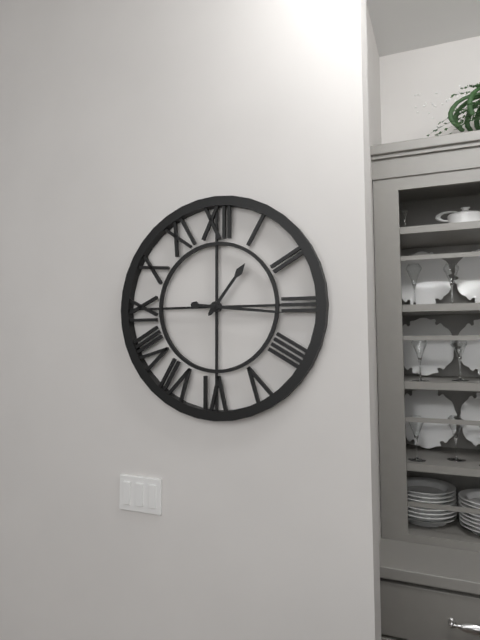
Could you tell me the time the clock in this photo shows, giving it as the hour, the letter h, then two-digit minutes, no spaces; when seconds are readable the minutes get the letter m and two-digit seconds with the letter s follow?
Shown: 1h16
